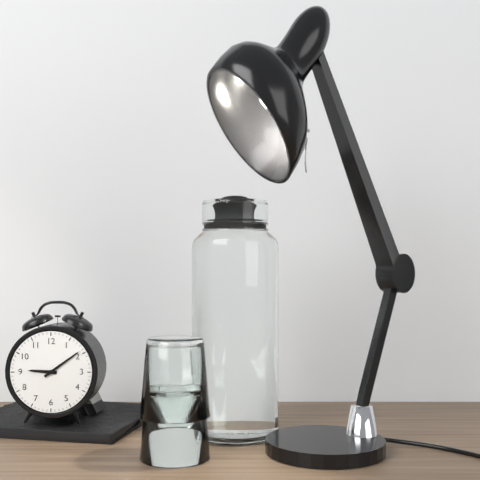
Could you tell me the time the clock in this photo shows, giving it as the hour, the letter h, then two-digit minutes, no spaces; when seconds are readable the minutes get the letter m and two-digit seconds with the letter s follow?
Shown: 9h09
